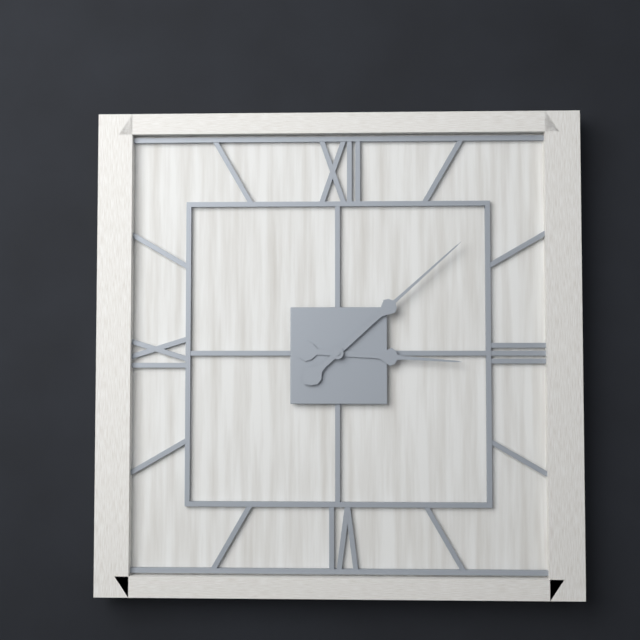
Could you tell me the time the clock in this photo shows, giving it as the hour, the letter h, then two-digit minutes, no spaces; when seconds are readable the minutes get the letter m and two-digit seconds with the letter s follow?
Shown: 3h08
